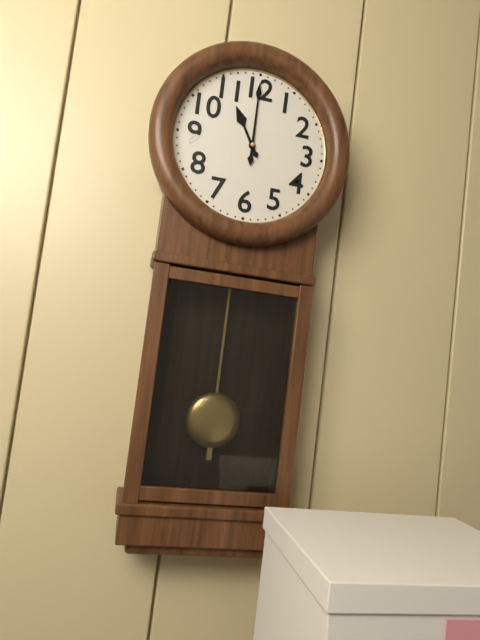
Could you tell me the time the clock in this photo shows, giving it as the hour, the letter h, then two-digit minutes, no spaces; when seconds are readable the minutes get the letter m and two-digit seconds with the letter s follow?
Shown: 11h00
